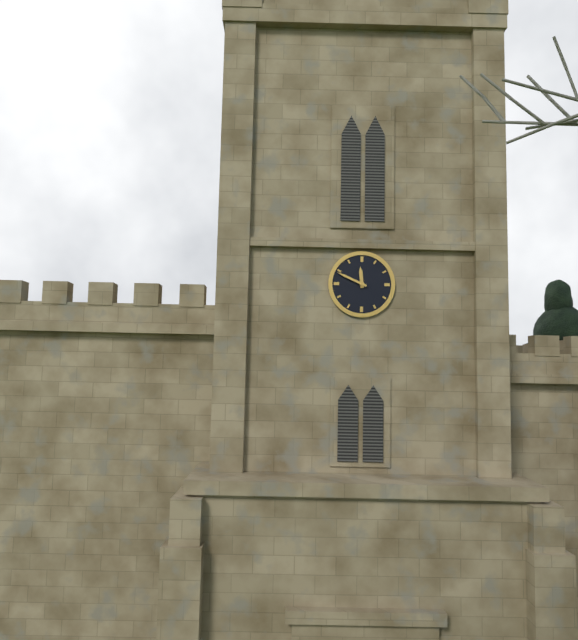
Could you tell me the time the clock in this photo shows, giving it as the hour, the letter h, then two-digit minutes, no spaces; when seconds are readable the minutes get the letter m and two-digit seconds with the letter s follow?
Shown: 11h49
